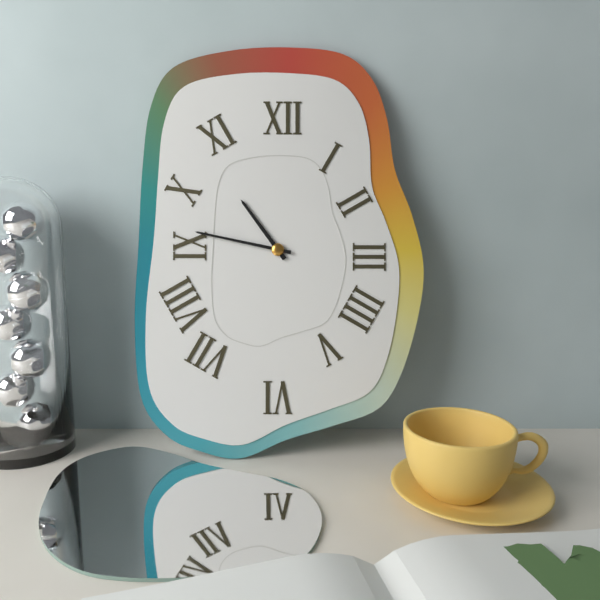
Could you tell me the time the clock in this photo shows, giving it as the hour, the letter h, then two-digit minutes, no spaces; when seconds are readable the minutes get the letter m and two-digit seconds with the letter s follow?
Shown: 10h47
